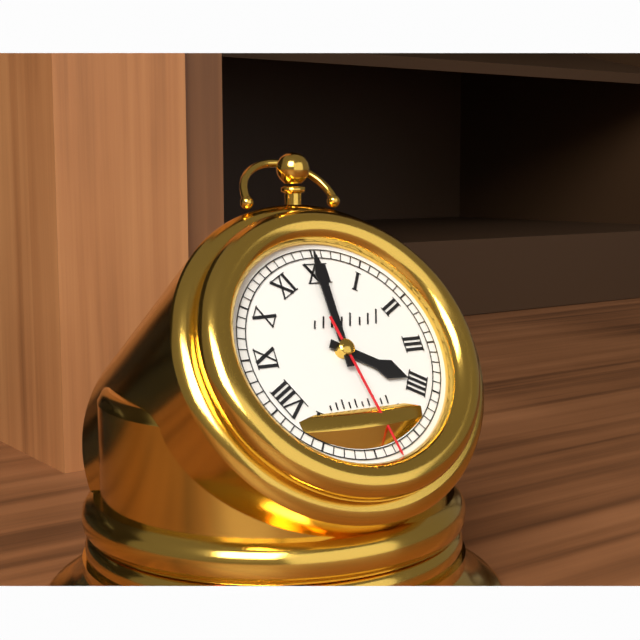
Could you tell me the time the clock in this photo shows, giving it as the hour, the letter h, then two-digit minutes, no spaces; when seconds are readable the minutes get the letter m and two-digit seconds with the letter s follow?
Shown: 4h00m28s
